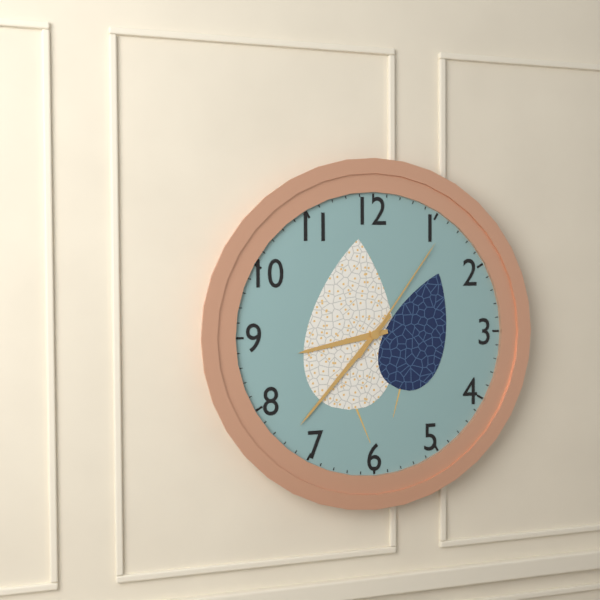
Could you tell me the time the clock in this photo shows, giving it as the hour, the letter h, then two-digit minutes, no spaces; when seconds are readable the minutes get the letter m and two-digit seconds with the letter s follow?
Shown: 8h37m06s
